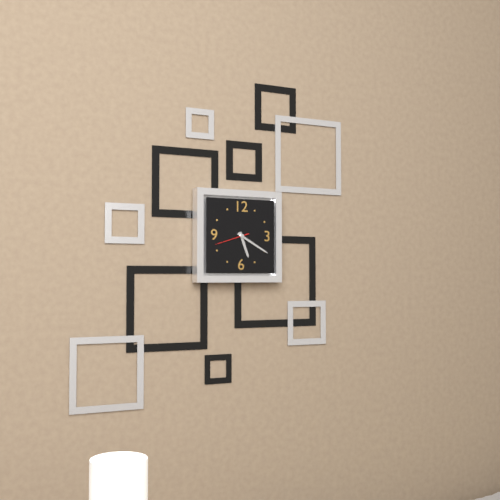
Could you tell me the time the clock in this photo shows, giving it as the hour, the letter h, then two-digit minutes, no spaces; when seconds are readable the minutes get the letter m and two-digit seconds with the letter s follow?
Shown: 5h20
